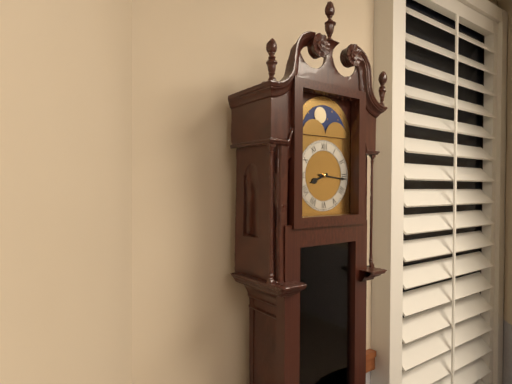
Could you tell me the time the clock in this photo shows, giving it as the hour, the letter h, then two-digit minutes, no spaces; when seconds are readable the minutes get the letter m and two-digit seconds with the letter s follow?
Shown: 8h16
